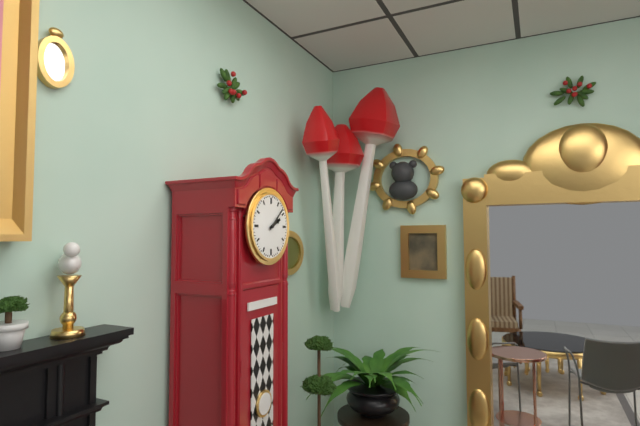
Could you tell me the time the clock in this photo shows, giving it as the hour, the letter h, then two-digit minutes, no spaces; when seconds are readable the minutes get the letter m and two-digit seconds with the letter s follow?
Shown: 2h08
